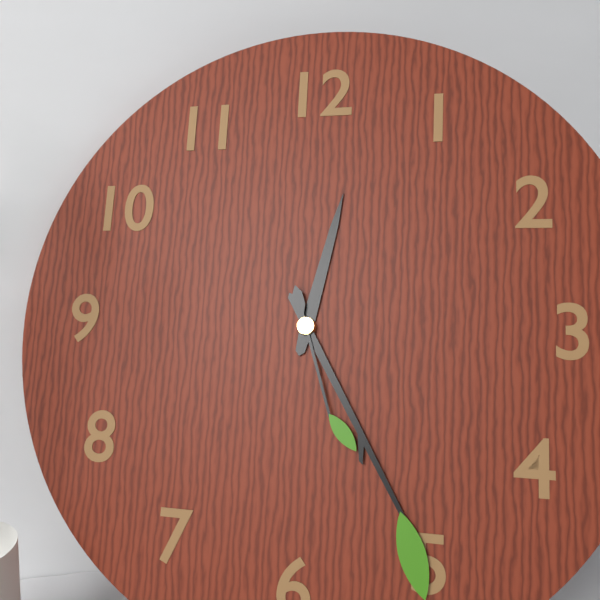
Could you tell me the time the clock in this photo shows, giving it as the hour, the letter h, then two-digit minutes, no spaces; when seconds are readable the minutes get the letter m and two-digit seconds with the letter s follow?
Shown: 12h25m27s
